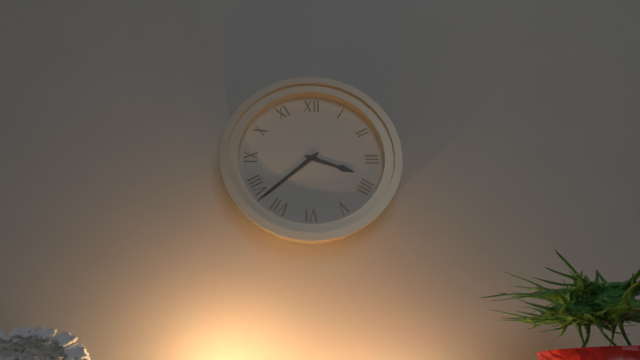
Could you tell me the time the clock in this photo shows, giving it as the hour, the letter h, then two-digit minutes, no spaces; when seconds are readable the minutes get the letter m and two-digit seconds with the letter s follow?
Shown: 3h38
